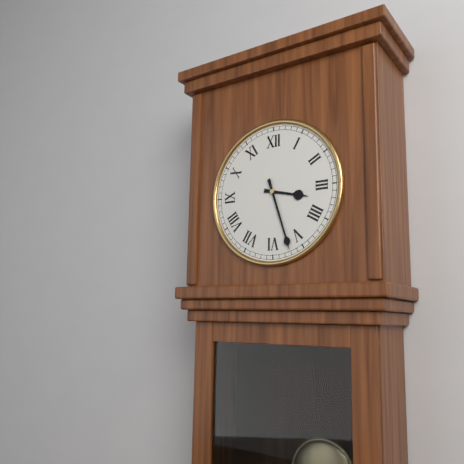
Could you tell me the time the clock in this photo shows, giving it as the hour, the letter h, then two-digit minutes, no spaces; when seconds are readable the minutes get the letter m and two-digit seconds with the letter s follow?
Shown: 3h27
